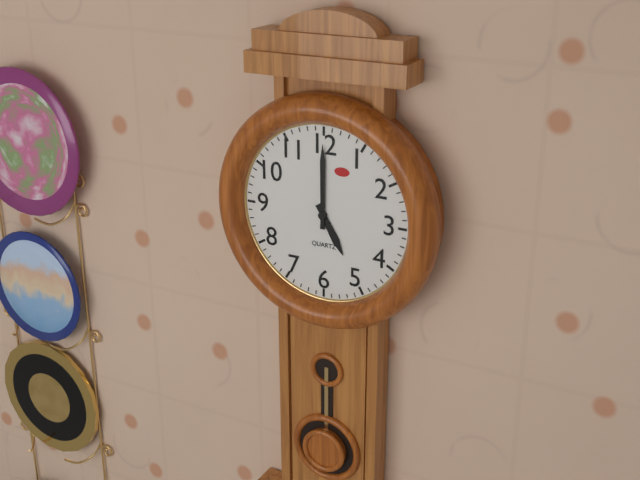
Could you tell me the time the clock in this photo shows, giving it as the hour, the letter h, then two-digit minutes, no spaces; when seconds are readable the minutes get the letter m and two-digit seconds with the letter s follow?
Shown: 5h00
